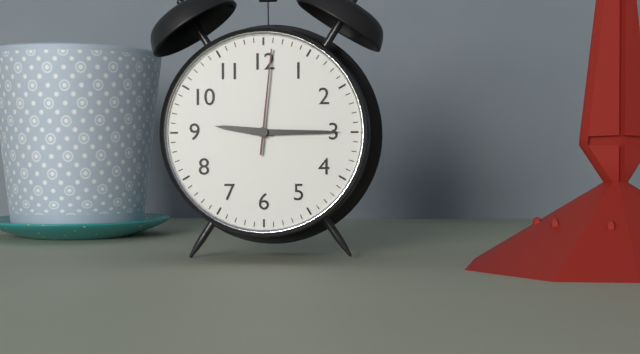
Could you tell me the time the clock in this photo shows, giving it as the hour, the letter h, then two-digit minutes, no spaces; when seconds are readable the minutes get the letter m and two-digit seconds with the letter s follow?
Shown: 9h15m01s
